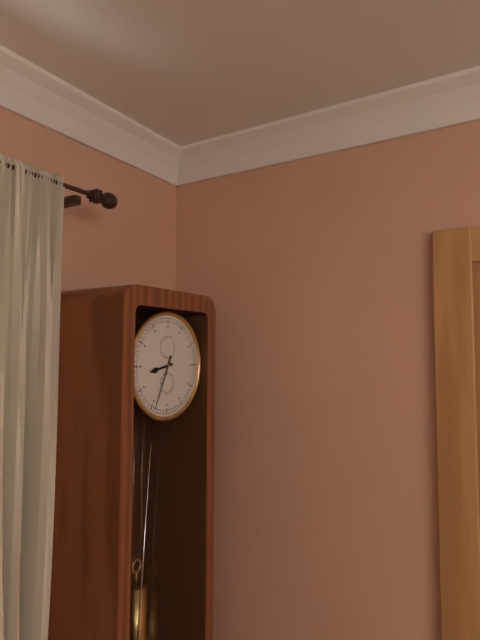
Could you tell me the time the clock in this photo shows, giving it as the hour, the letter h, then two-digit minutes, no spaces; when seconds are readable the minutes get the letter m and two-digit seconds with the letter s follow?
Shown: 8h34
